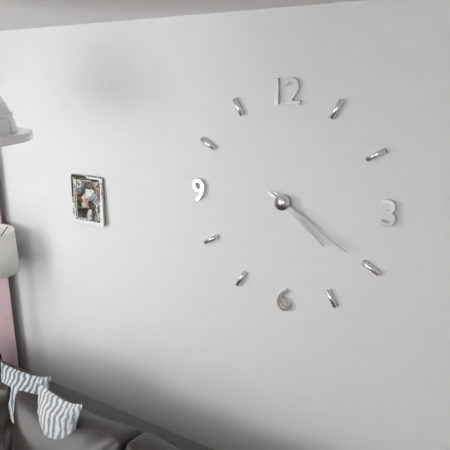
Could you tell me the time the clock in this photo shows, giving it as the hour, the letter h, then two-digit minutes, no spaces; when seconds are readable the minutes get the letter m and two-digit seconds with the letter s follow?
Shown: 4h20
